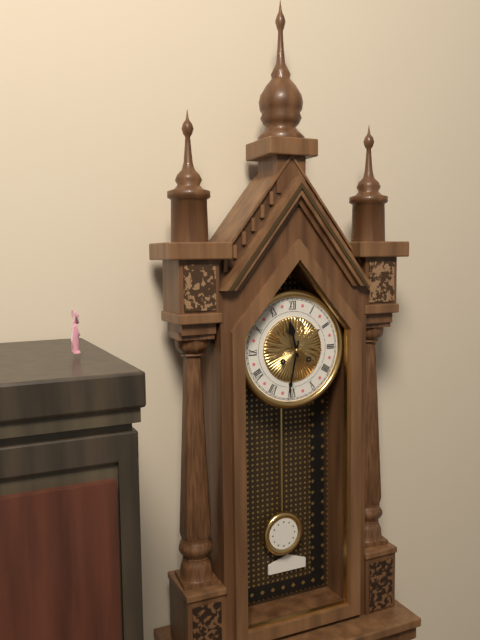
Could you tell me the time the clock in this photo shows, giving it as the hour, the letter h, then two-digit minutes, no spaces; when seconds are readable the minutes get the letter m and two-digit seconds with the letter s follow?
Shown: 11h32
